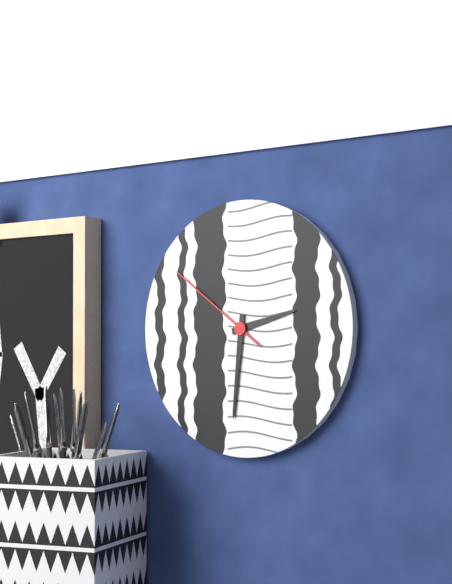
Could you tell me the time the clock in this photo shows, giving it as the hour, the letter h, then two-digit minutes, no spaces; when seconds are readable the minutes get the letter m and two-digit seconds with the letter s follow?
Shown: 2h31m51s
